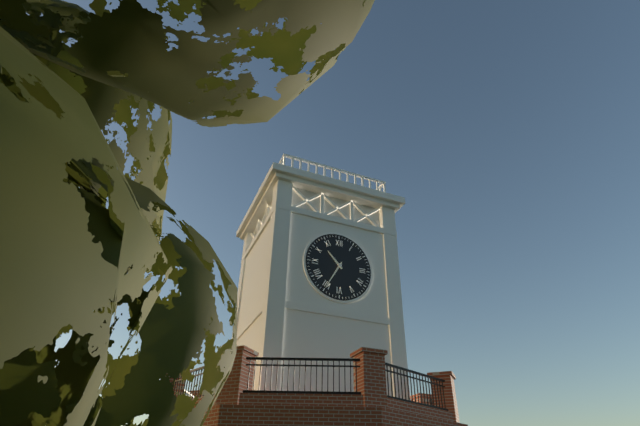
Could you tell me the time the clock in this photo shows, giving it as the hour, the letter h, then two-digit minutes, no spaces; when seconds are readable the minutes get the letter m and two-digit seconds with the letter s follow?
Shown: 10h35
